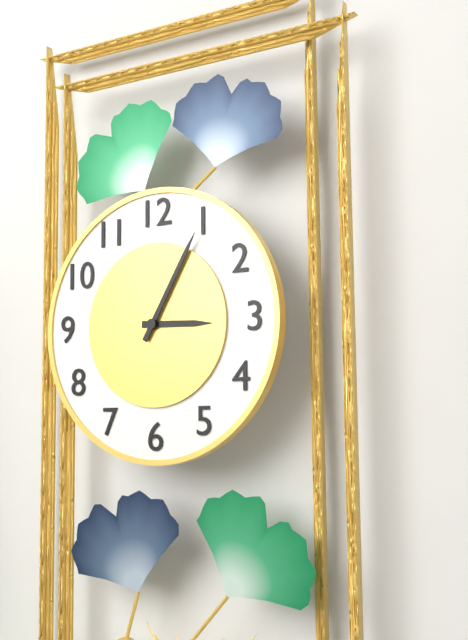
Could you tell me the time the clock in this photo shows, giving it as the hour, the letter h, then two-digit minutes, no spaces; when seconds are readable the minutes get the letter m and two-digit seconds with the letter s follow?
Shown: 3h05
